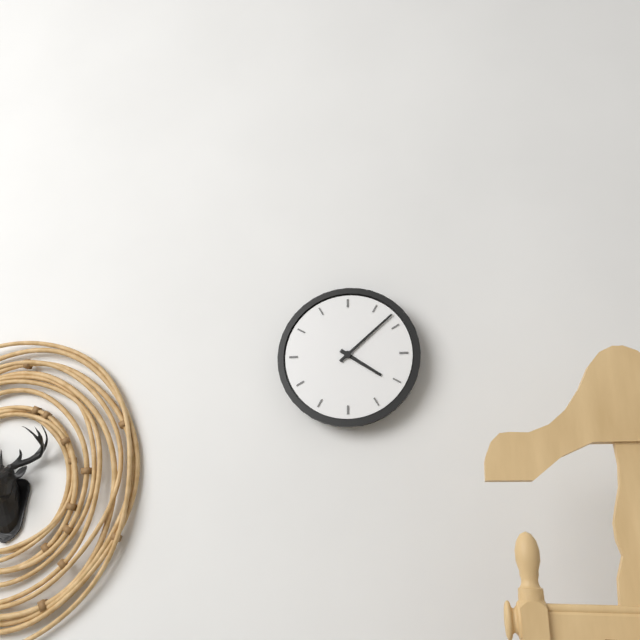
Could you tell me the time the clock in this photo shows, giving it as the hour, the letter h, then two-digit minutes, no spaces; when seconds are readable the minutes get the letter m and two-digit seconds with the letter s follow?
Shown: 4h08
